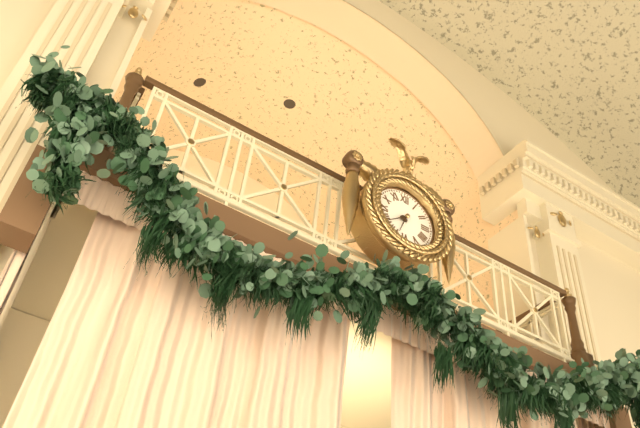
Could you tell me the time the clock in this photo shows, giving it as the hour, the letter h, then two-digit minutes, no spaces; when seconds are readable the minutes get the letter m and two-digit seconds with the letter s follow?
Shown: 6h39
